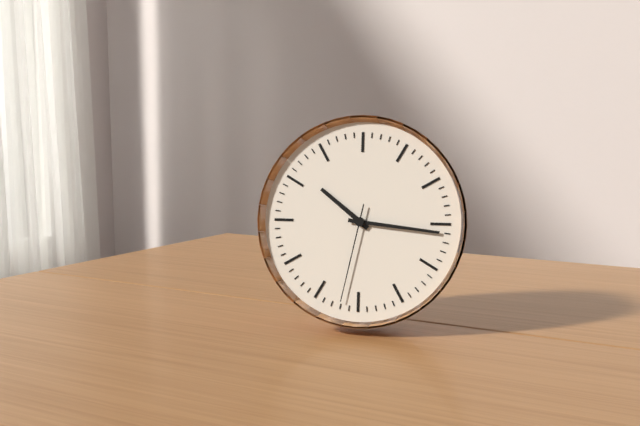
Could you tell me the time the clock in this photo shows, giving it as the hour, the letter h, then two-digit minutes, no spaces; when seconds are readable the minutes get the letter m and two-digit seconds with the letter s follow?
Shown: 10h16m32s
